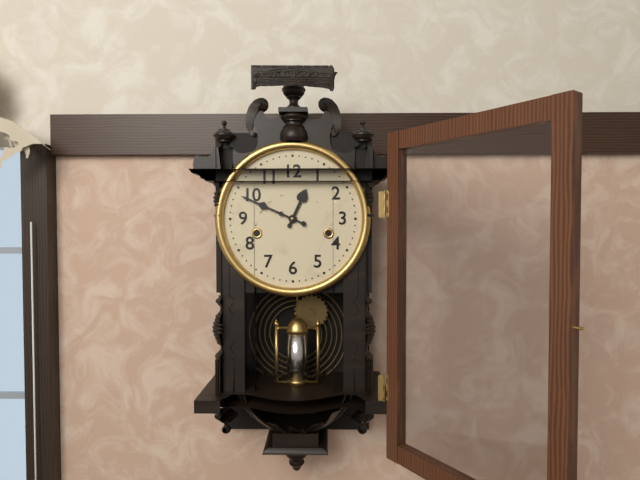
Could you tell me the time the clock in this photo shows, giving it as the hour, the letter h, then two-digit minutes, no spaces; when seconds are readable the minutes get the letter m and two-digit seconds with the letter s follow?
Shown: 12h49
